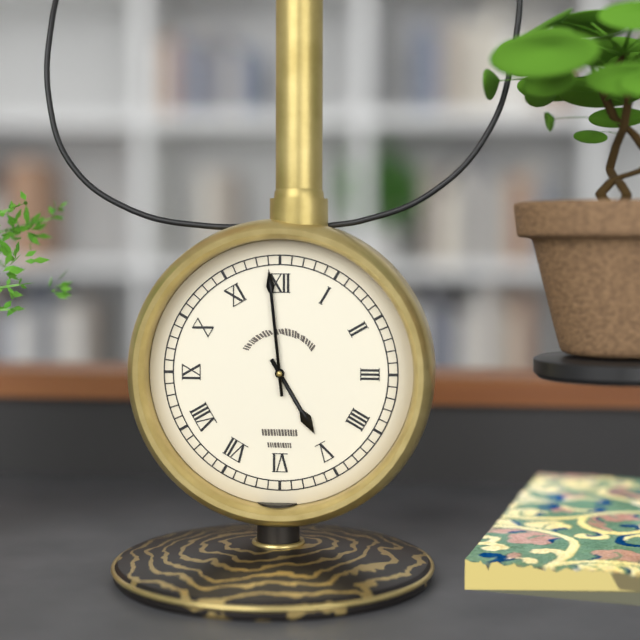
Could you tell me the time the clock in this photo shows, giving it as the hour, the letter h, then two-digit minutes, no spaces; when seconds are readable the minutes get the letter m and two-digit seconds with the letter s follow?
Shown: 4h59
